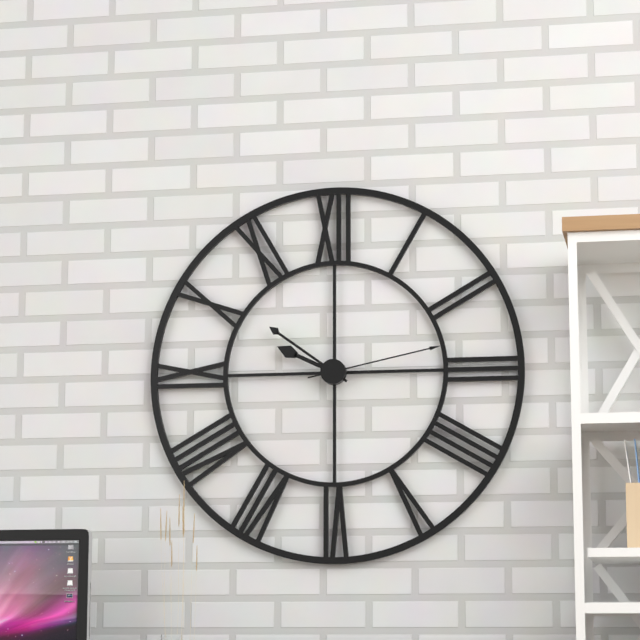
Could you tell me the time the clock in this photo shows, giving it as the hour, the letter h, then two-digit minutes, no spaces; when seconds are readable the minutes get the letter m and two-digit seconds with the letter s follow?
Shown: 9h51m13s
